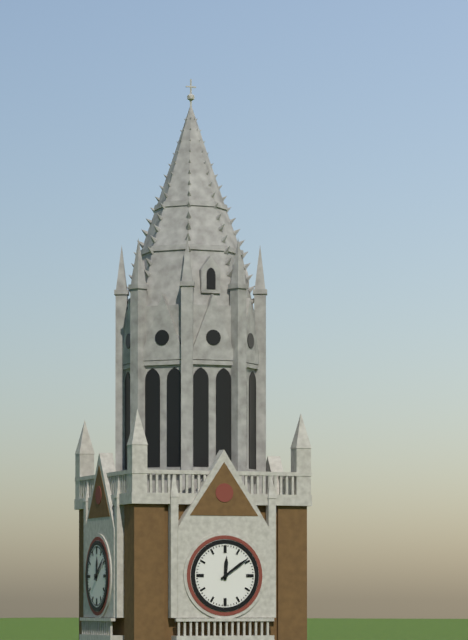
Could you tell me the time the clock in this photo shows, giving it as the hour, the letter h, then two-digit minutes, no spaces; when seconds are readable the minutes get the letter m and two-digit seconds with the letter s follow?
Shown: 12h09
